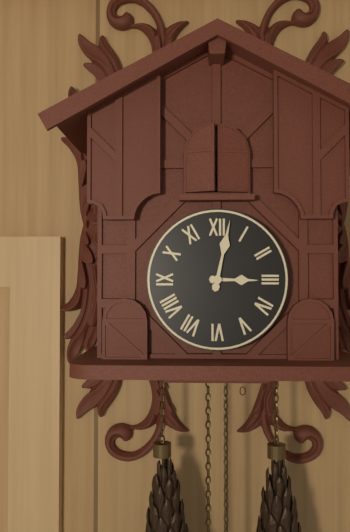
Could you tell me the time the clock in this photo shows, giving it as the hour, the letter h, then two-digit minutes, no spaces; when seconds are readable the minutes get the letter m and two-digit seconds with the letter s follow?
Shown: 3h02
